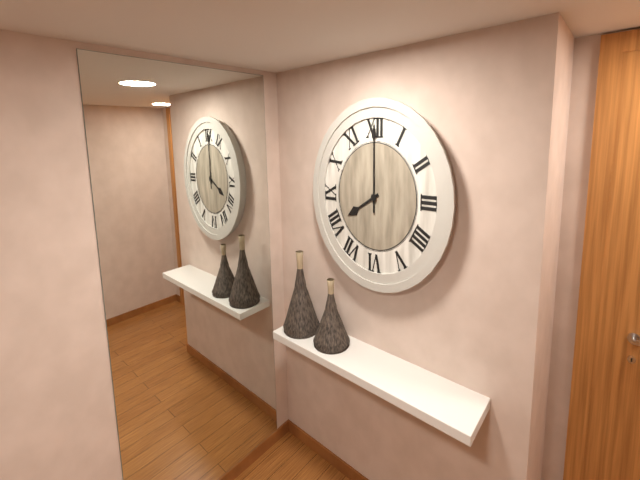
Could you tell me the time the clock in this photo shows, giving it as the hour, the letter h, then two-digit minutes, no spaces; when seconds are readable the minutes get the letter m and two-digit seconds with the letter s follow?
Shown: 8h00
